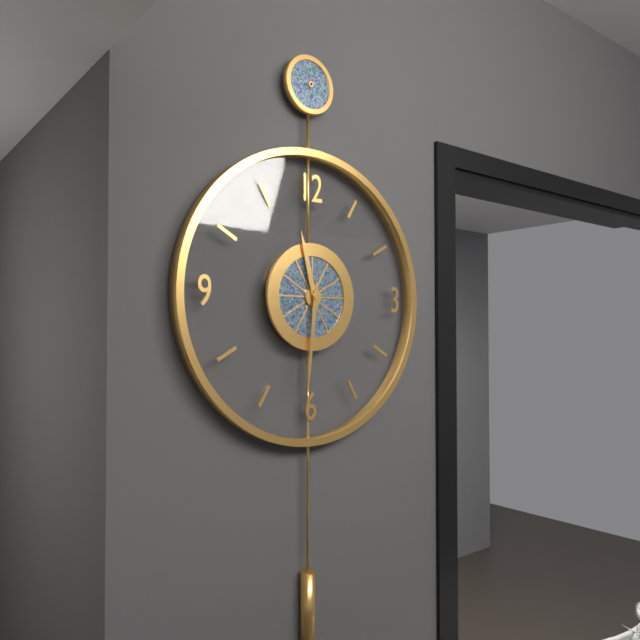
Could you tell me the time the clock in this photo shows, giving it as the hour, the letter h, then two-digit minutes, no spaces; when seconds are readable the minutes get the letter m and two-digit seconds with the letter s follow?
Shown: 11h31
